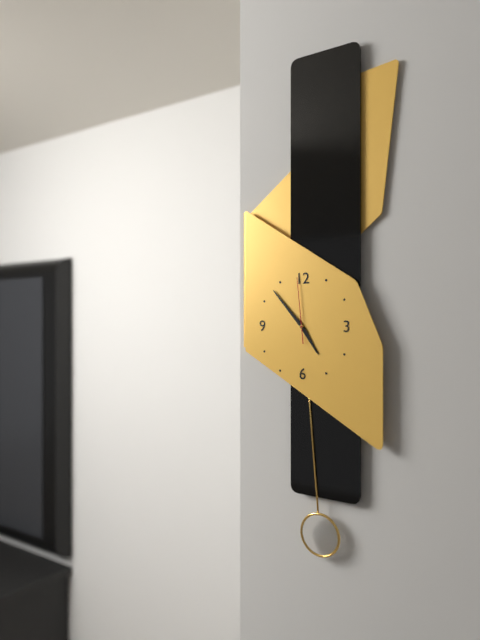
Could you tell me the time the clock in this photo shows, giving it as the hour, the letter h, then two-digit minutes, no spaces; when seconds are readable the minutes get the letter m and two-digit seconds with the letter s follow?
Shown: 4h53m59s
